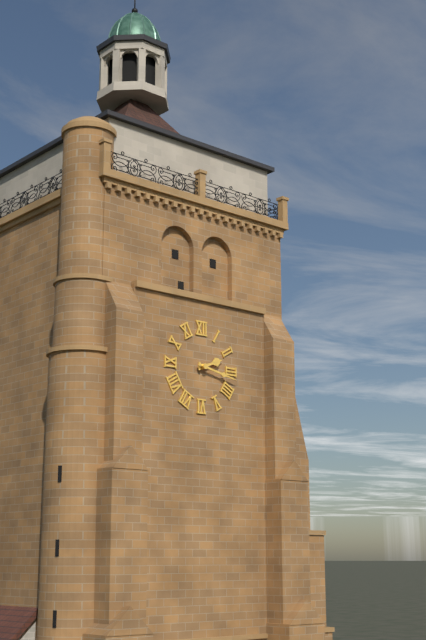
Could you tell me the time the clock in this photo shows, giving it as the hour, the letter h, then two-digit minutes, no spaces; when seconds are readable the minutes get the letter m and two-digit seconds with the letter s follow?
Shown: 2h17
